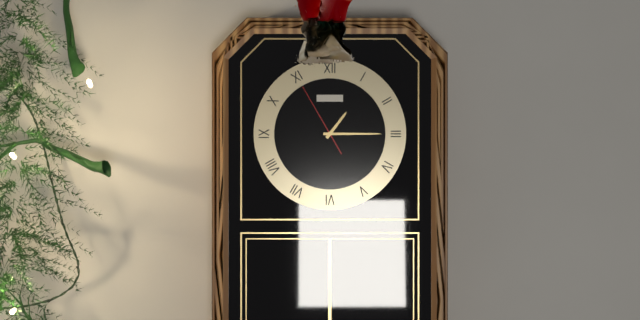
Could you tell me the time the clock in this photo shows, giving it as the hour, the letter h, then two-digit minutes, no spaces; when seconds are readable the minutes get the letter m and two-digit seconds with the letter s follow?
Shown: 1h15m55s
